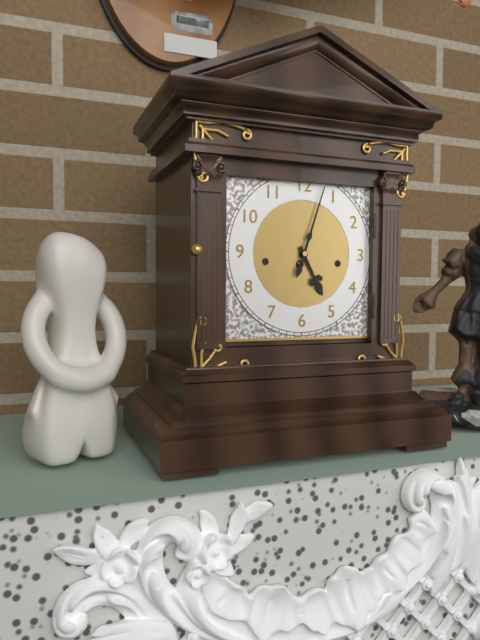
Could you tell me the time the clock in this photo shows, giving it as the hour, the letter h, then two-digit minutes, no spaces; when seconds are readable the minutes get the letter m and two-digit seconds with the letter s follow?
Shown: 5h03
